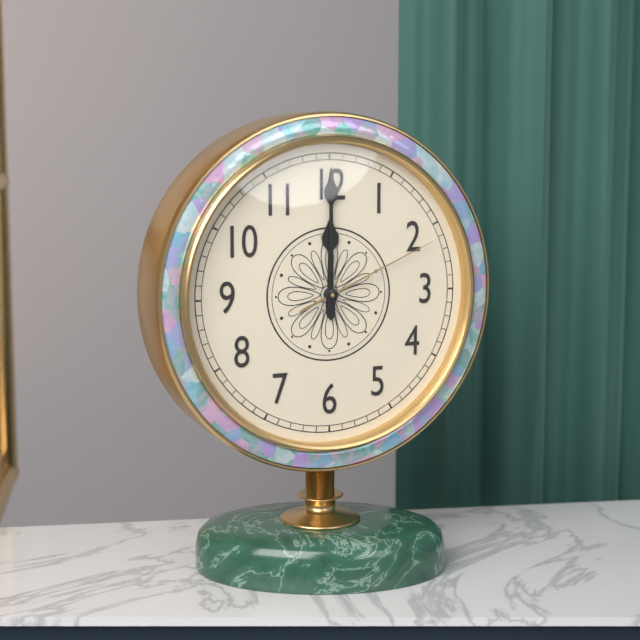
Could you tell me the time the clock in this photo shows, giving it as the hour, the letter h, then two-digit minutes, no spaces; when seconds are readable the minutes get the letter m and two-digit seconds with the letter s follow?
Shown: 12h00m11s
